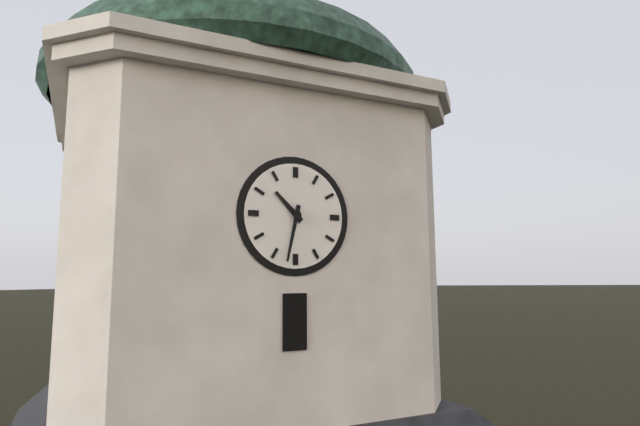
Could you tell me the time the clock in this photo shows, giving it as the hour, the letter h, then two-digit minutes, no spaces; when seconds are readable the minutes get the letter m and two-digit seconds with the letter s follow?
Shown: 10h32
